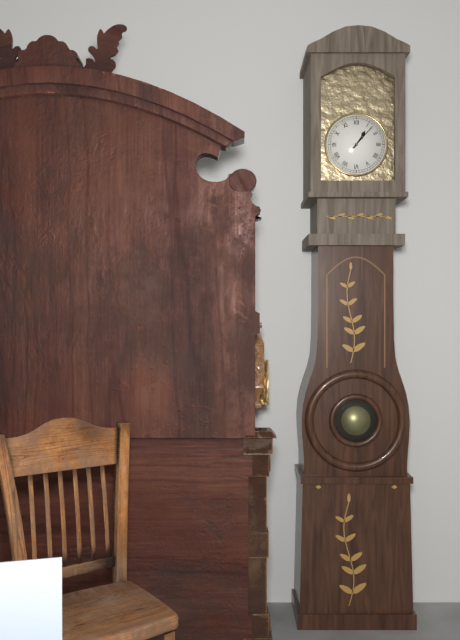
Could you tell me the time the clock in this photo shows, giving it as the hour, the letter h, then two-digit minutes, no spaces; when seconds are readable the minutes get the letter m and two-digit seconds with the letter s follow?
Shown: 1h07
